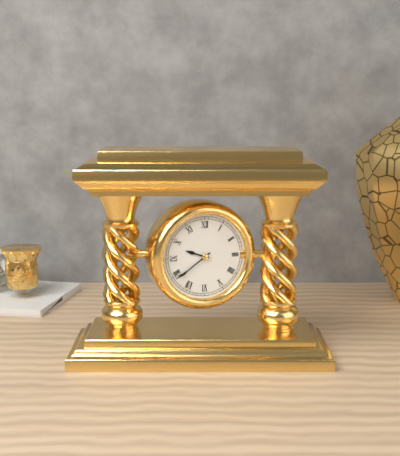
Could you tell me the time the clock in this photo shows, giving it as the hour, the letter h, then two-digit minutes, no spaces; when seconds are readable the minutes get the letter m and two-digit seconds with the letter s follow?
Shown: 9h39
